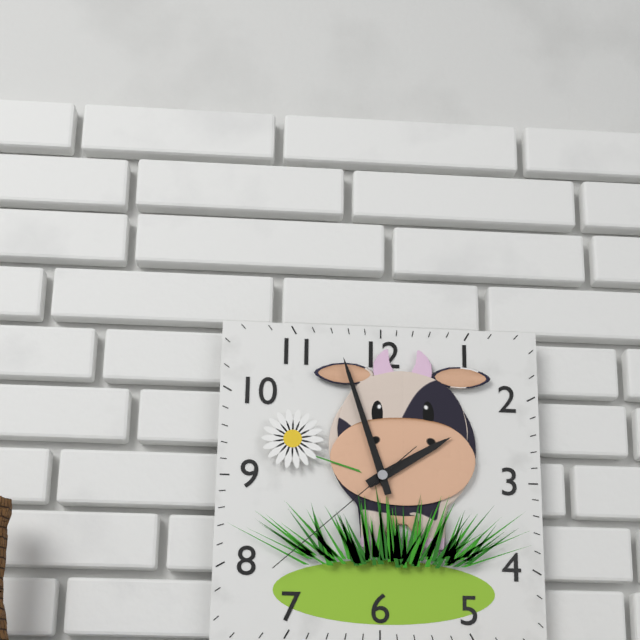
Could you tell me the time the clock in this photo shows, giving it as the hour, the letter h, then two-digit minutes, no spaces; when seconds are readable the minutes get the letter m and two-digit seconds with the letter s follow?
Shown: 1h57m38s
